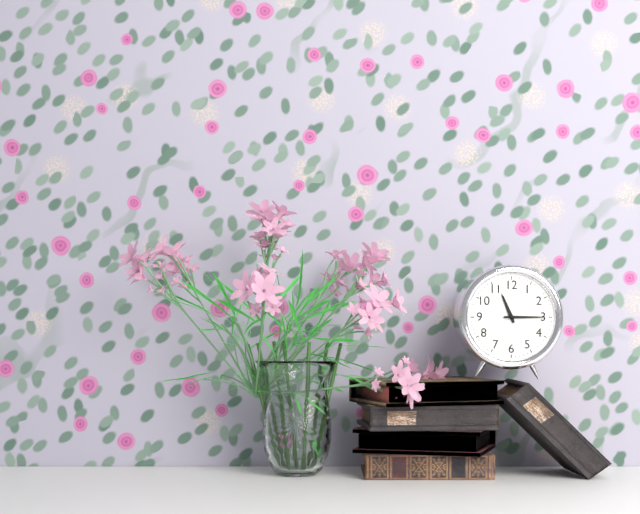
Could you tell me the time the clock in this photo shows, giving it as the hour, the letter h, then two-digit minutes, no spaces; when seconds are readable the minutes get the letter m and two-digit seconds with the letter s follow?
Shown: 11h15
